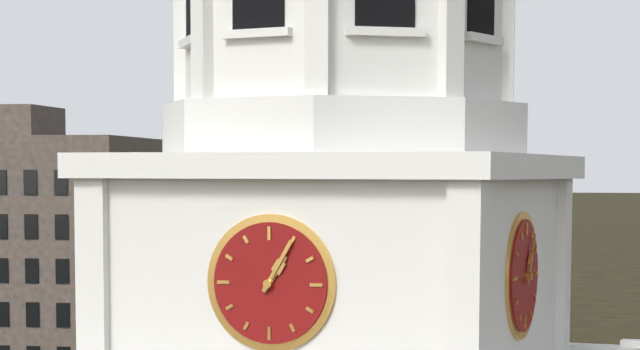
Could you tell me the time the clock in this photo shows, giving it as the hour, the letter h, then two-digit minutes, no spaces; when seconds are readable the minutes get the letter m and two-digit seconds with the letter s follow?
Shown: 1h05
